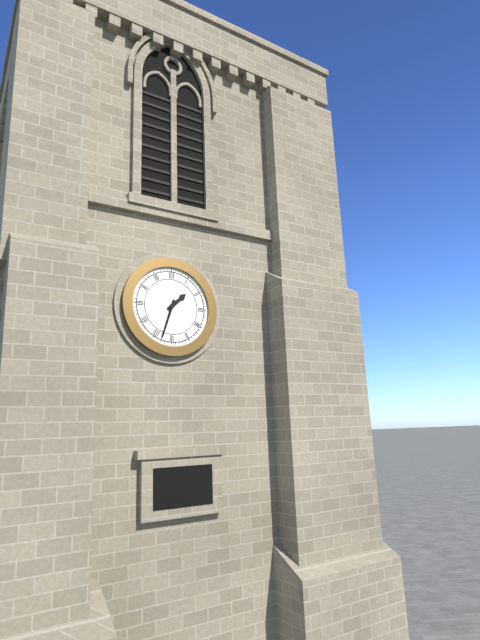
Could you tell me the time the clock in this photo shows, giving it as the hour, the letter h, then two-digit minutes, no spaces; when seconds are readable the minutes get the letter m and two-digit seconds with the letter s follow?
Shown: 1h33
